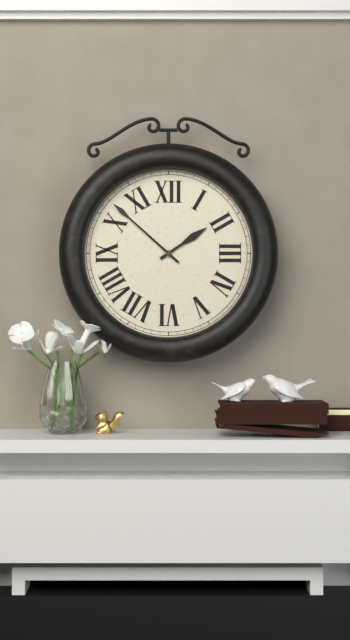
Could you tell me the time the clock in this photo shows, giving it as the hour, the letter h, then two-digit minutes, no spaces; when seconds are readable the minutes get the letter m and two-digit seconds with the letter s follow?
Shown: 1h52
